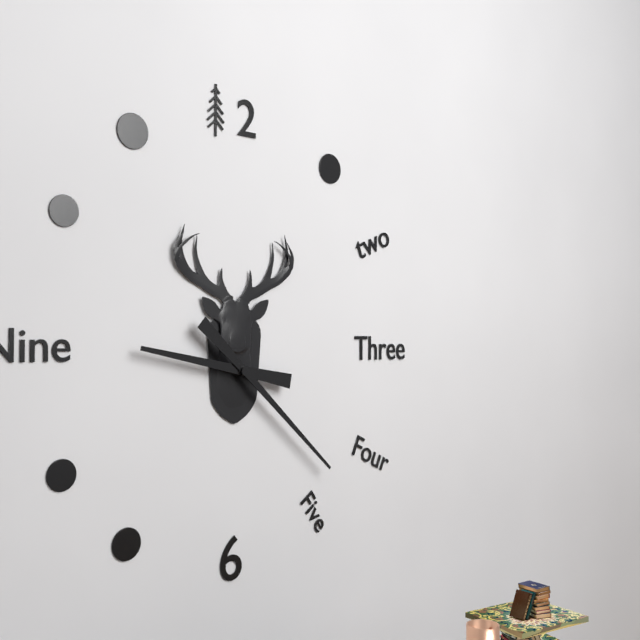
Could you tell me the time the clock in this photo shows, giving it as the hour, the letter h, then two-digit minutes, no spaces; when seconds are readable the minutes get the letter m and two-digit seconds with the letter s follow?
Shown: 9h22
